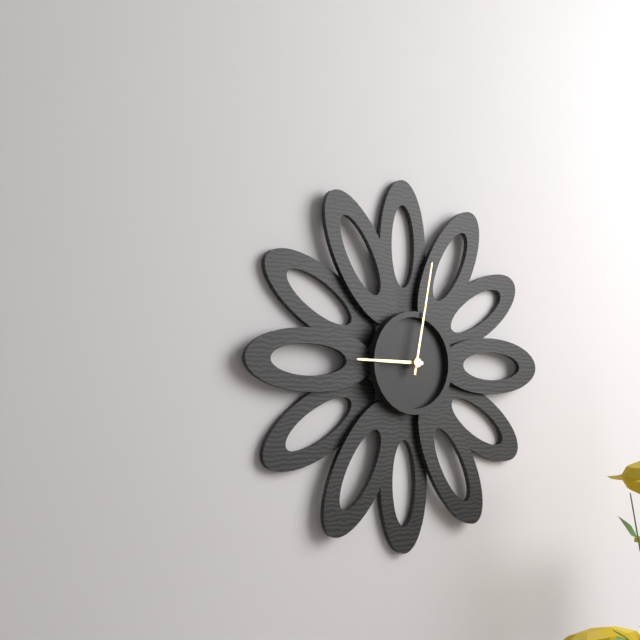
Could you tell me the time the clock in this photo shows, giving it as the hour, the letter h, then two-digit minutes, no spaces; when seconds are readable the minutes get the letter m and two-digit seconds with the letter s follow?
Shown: 9h02
